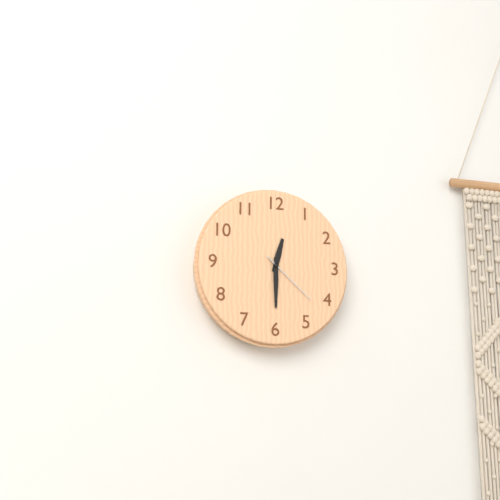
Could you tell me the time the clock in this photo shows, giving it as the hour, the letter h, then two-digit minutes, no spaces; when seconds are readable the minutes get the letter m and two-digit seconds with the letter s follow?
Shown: 12h30m22s
